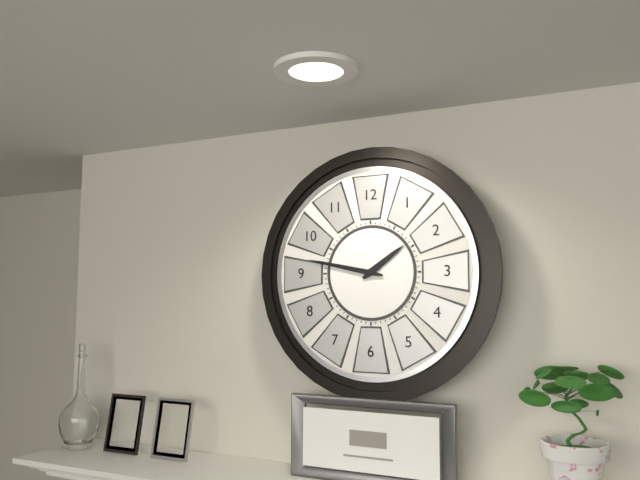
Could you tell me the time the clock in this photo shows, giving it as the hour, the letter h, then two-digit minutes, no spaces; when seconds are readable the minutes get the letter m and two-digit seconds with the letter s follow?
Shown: 1h47
